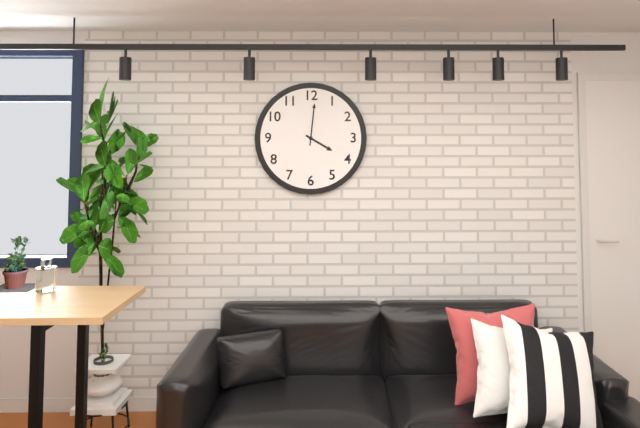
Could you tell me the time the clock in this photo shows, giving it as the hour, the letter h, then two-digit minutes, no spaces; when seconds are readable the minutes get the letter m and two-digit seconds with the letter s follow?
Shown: 4h01
